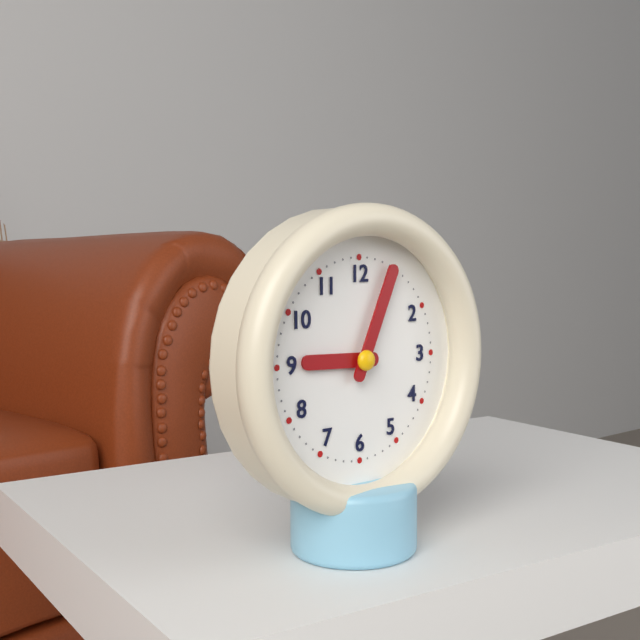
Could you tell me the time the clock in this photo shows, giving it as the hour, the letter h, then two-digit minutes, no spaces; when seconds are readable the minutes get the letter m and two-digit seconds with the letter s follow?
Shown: 9h04
